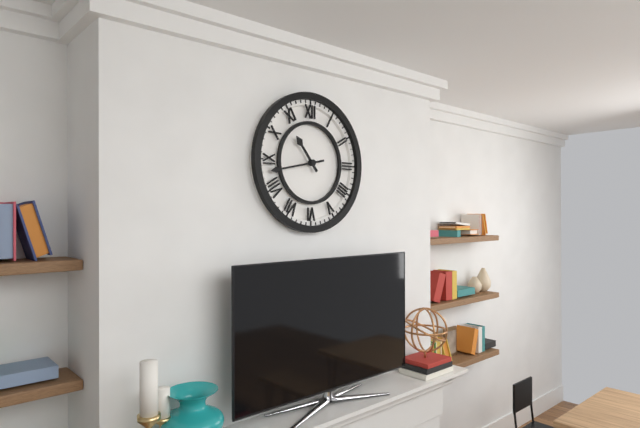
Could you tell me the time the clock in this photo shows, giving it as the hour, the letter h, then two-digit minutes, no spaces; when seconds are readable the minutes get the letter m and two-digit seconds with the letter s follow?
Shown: 10h43
